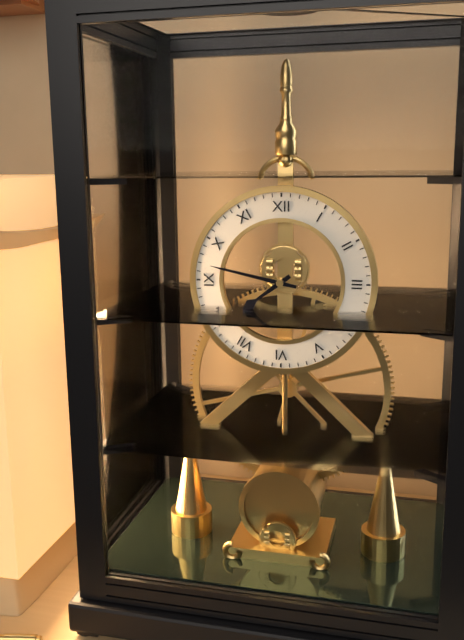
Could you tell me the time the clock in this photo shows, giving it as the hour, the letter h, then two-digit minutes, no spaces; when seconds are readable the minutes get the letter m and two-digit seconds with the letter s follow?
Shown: 7h47
